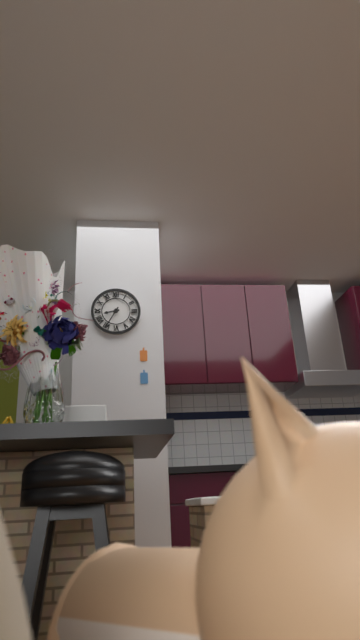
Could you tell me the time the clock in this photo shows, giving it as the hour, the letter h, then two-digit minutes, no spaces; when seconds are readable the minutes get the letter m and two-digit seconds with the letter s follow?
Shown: 8h35
